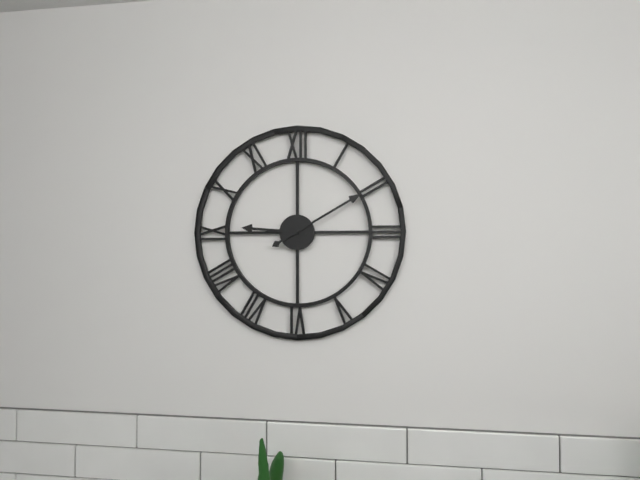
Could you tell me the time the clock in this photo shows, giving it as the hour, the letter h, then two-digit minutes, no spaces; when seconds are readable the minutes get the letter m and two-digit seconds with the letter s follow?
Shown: 9h10
